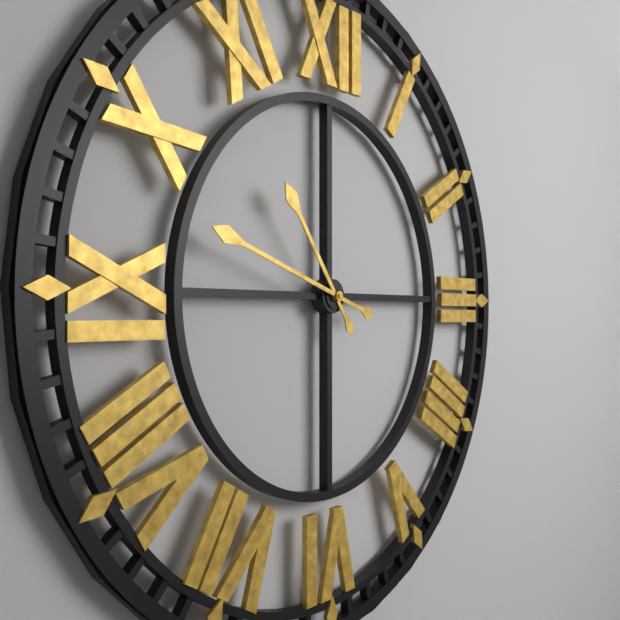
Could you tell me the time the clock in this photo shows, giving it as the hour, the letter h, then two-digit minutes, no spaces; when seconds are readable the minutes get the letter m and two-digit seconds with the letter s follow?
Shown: 10h48
